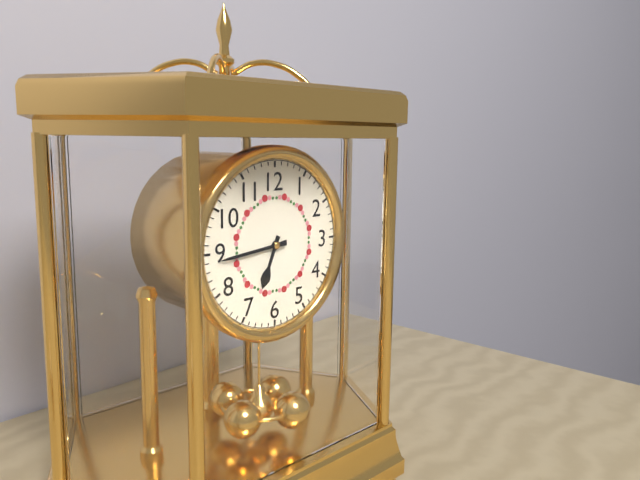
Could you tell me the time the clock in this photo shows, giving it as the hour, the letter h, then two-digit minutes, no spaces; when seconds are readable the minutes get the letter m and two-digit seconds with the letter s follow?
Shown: 6h44
